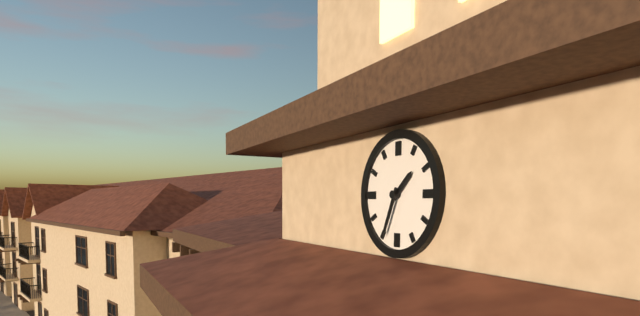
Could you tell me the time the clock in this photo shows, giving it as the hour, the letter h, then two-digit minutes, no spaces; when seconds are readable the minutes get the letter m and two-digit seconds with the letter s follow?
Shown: 1h34
